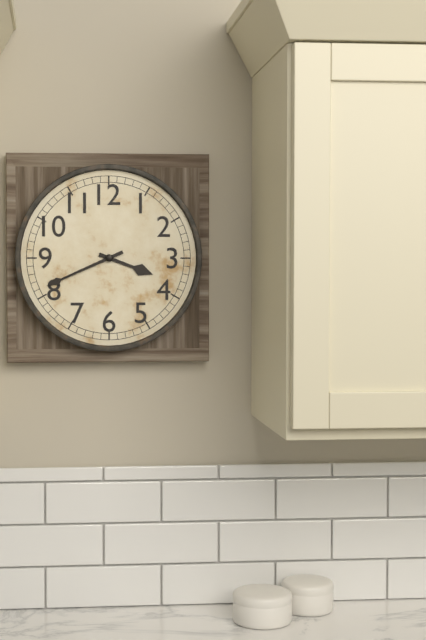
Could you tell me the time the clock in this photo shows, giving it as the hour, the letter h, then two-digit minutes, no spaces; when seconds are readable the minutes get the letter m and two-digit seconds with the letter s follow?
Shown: 3h41
